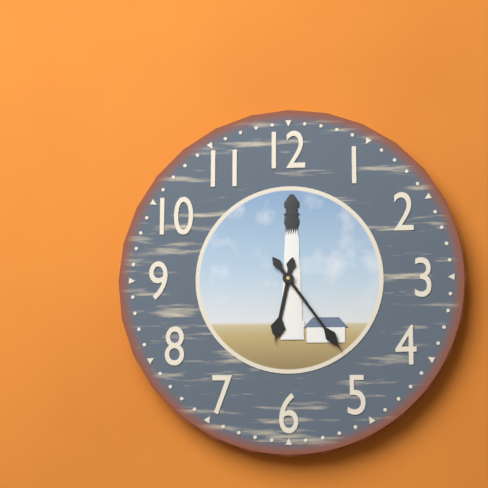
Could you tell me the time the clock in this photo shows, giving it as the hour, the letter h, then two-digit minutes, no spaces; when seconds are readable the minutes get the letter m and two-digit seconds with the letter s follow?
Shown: 6h24
